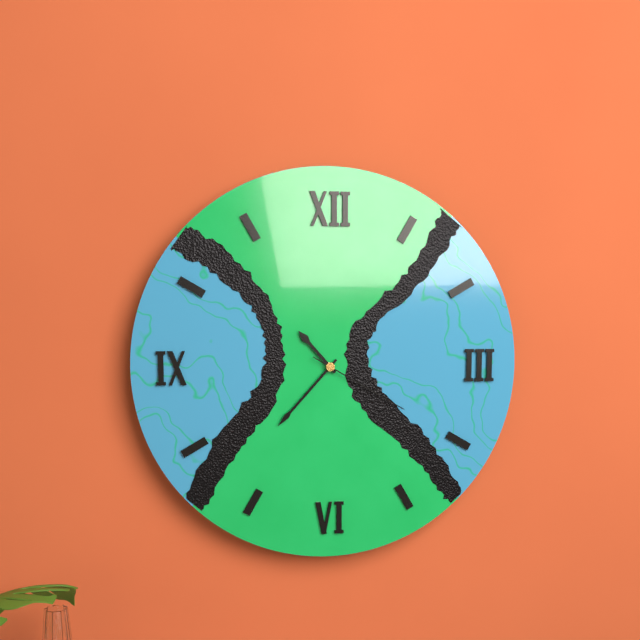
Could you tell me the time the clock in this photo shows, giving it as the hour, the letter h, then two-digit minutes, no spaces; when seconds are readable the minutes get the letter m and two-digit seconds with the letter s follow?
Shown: 10h37m20s
